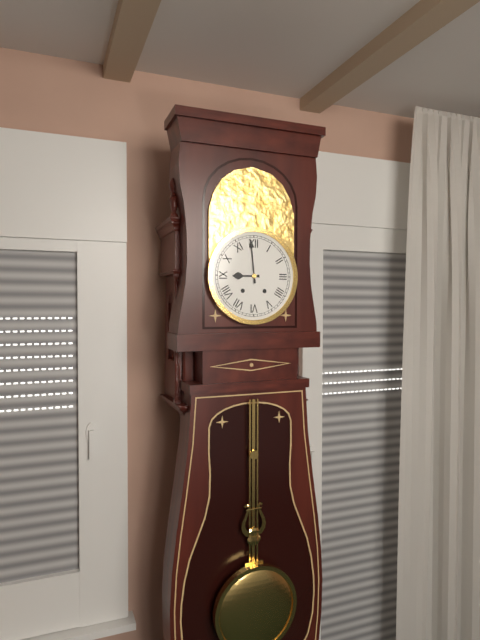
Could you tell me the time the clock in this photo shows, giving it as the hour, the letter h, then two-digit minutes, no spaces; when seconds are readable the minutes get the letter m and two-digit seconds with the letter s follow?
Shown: 8h59
